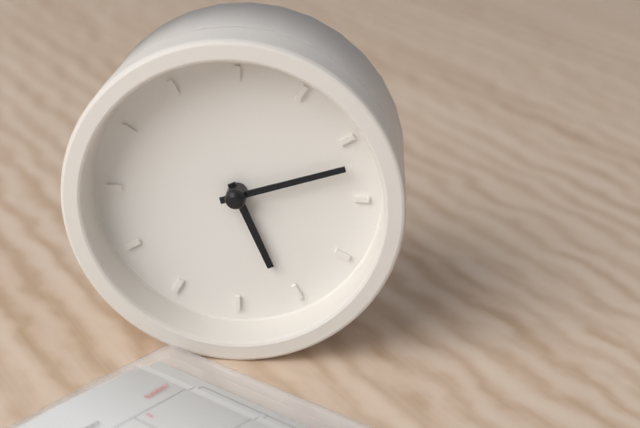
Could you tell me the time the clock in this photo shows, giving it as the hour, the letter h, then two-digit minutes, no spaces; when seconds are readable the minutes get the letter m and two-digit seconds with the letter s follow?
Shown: 5h12
